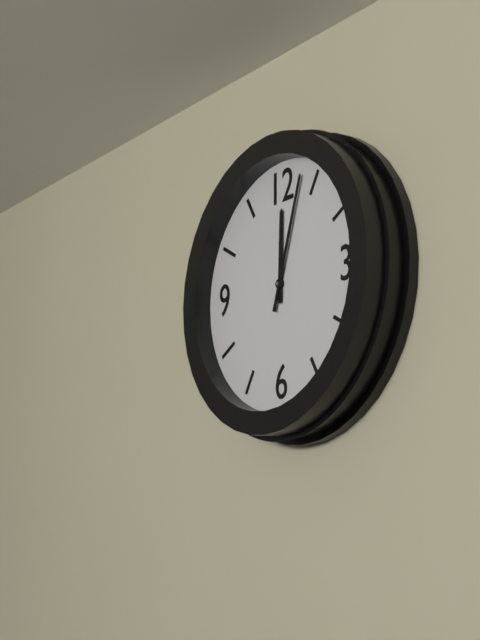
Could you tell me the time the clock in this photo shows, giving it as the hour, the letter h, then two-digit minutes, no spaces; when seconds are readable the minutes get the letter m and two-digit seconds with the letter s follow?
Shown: 12h03
